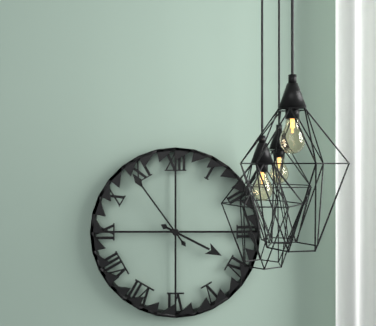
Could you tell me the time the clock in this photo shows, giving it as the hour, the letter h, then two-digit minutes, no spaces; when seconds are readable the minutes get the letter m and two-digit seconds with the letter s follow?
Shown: 3h54
